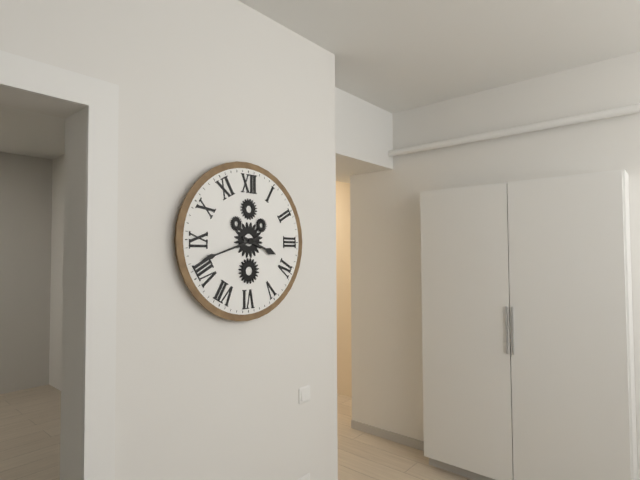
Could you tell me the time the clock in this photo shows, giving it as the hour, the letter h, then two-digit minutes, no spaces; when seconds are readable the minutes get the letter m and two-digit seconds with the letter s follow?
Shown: 3h42
